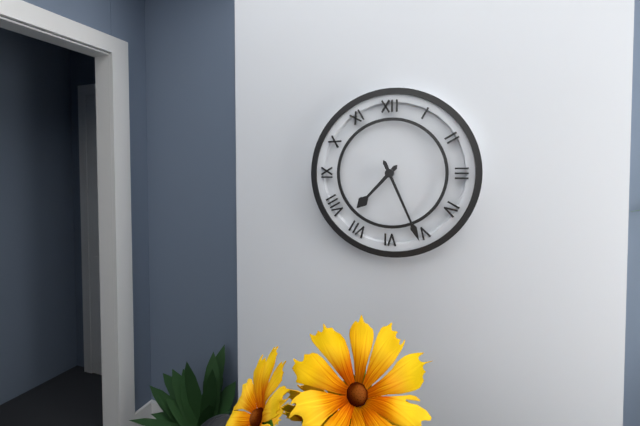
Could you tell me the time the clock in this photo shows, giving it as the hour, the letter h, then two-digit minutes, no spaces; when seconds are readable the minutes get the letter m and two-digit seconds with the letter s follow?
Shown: 7h26
